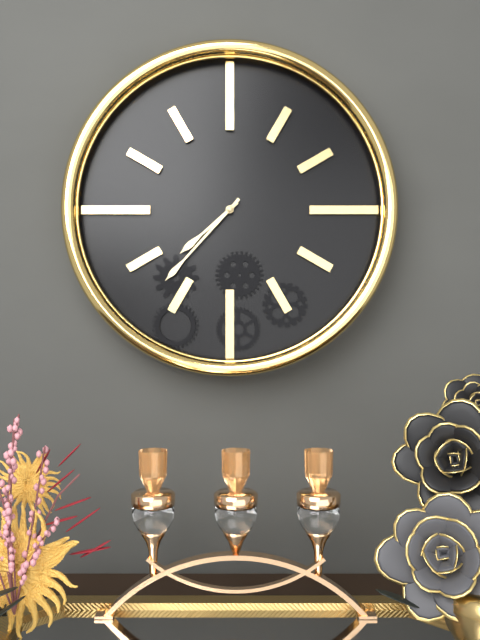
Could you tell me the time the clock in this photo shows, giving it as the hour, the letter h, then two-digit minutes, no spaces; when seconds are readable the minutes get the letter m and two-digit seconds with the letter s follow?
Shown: 7h37
